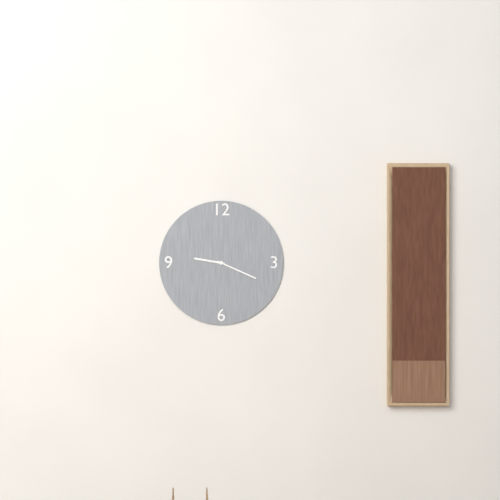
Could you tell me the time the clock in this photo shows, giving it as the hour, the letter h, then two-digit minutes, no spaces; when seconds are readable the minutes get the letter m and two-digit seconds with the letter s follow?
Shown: 9h19
